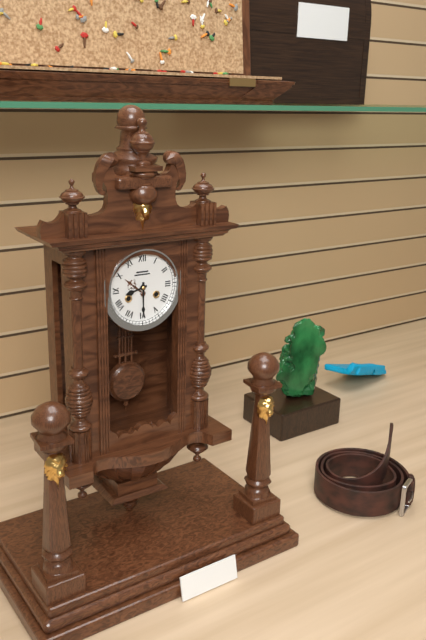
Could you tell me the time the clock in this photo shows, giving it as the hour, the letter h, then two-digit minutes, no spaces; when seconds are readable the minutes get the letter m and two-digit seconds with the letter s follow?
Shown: 8h30
